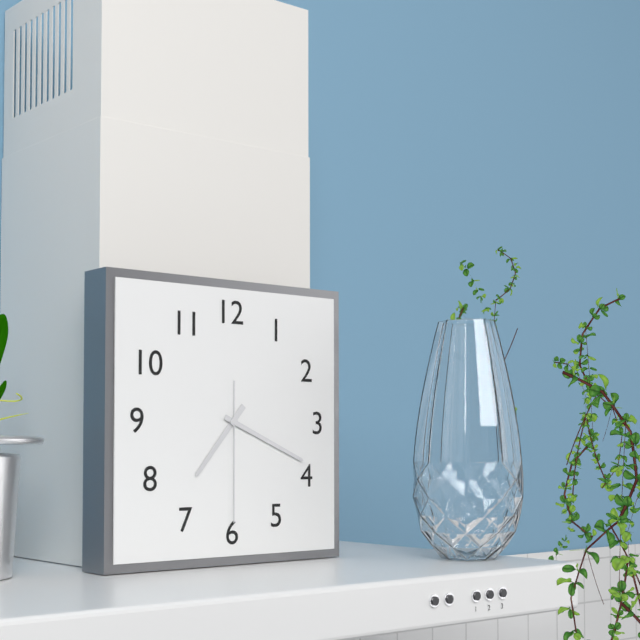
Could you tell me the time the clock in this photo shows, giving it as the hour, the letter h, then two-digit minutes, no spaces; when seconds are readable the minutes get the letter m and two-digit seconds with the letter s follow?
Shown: 7h19m30s
